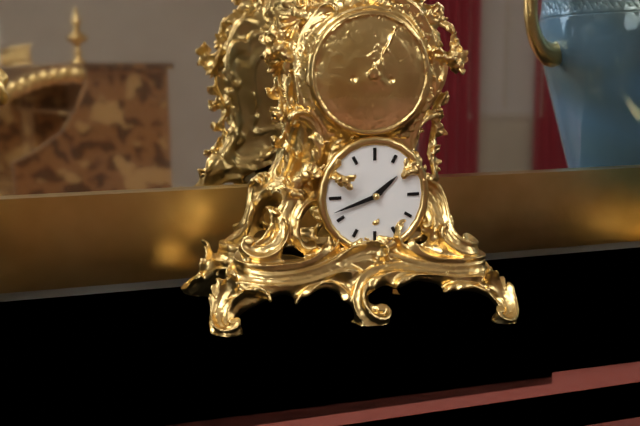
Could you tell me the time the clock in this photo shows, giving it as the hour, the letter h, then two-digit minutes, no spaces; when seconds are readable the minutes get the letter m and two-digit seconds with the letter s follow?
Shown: 1h42
